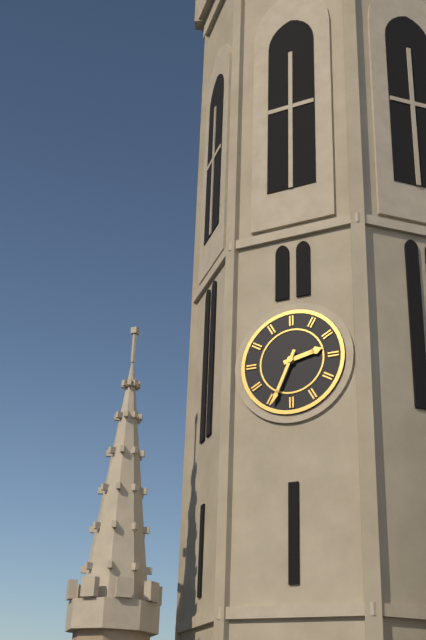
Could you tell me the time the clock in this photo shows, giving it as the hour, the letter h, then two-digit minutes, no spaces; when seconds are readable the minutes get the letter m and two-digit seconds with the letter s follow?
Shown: 2h34
